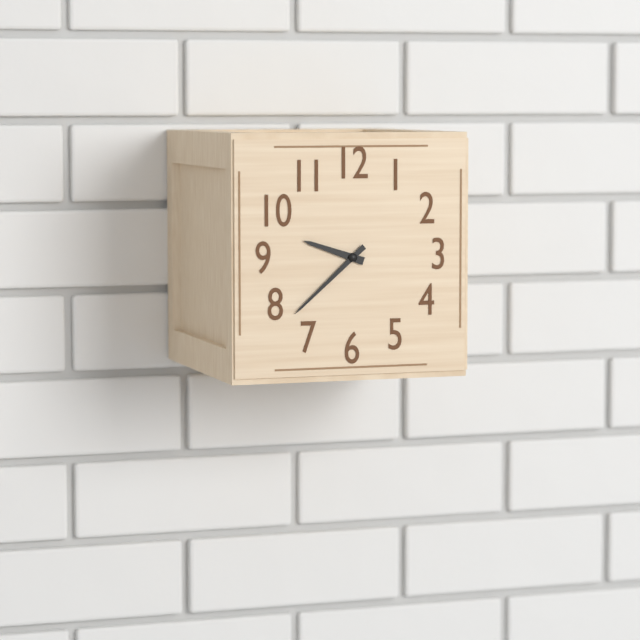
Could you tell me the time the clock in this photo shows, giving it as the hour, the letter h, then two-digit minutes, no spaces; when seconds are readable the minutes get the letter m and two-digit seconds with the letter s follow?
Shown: 9h38
